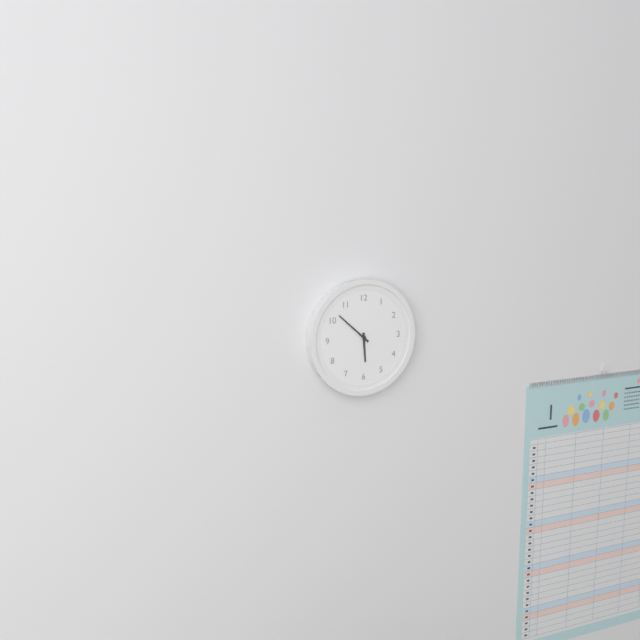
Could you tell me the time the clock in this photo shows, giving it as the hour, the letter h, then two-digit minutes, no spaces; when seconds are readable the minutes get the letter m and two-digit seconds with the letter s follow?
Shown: 5h52
